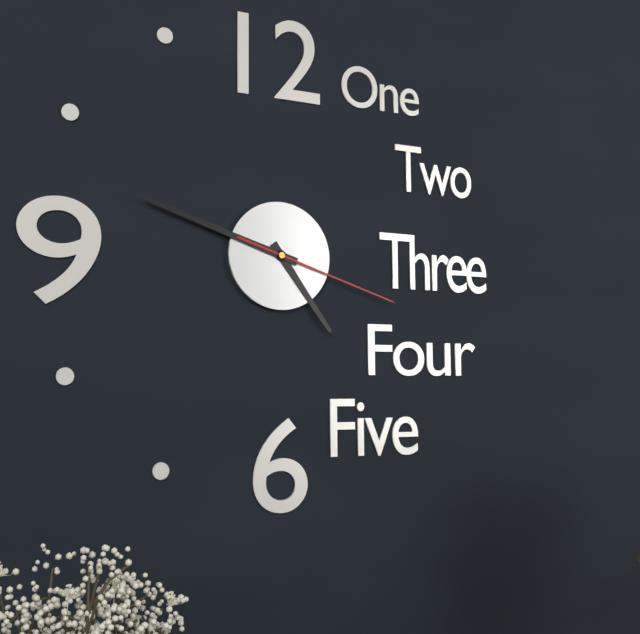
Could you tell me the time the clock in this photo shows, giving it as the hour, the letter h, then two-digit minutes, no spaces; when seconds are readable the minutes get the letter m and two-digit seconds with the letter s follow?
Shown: 4h48m18s
